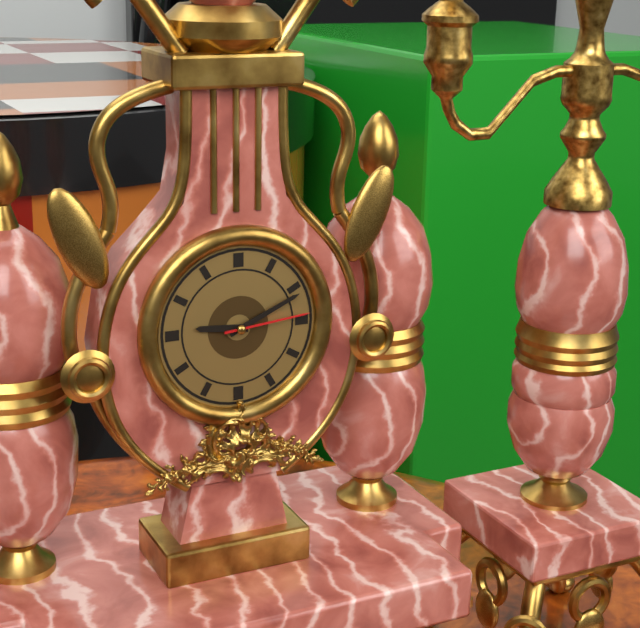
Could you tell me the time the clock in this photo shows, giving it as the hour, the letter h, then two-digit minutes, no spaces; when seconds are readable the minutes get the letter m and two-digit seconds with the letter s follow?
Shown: 9h11m14s
